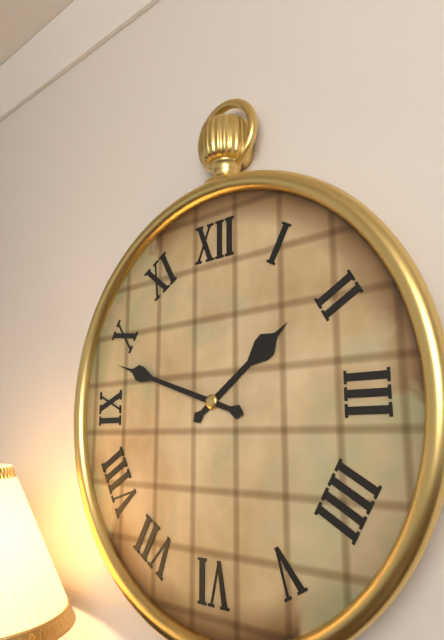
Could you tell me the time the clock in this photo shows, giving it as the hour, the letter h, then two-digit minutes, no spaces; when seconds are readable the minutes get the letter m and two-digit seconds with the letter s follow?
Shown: 1h48
